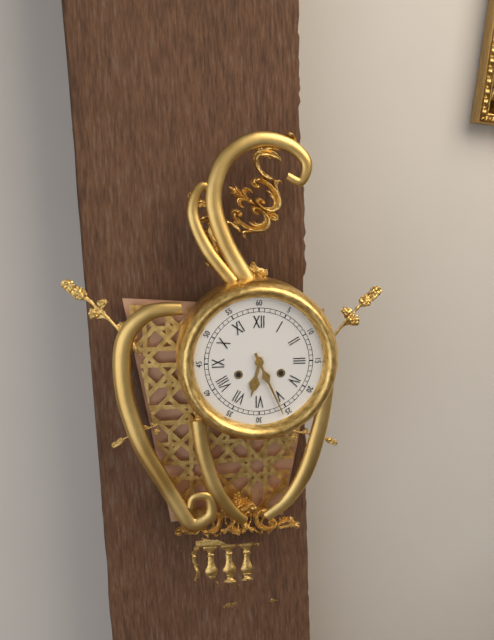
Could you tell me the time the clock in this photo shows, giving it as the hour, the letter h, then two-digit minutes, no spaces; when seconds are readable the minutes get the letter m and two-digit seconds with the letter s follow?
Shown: 6h26
